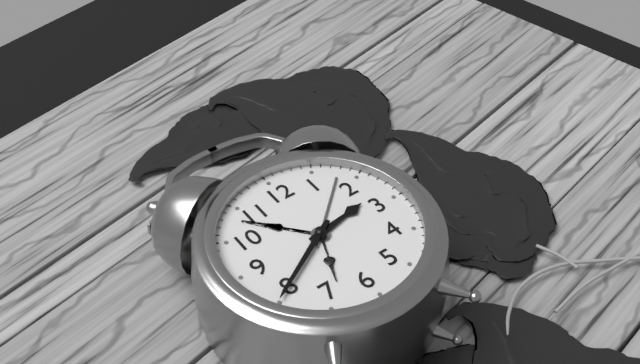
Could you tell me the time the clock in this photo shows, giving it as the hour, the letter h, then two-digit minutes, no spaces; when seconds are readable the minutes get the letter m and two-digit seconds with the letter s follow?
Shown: 2h40
